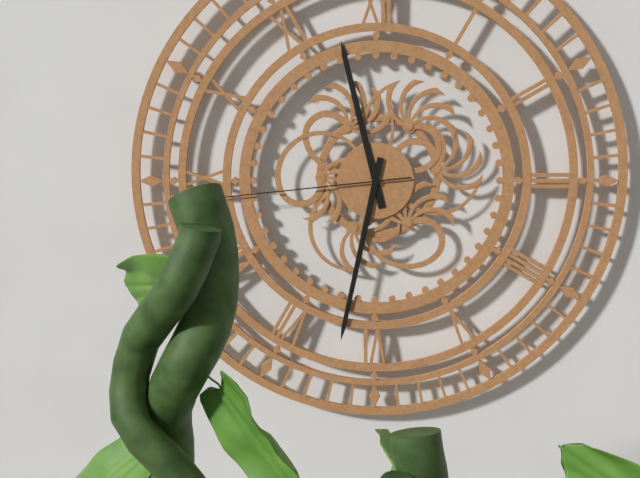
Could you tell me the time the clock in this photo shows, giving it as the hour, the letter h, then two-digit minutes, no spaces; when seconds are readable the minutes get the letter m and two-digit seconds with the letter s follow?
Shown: 11h32m44s
